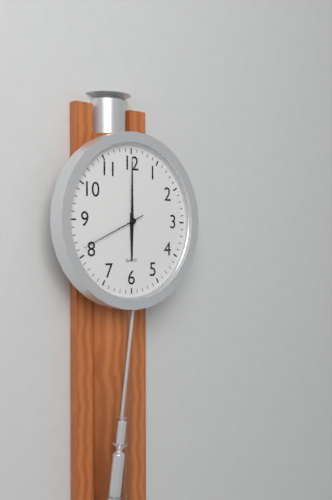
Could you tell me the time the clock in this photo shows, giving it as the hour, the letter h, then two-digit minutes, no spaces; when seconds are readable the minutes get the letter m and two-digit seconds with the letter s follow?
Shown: 6h00m41s
